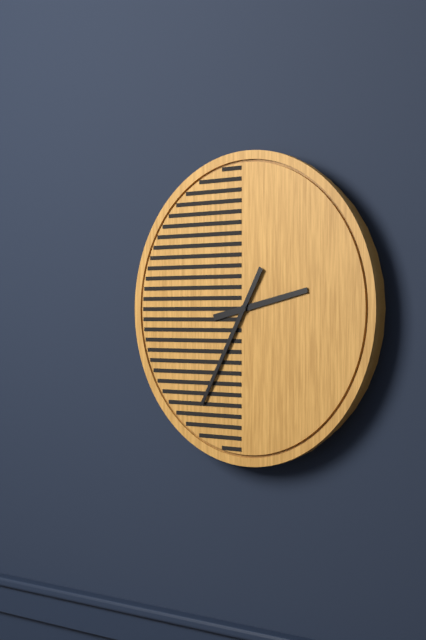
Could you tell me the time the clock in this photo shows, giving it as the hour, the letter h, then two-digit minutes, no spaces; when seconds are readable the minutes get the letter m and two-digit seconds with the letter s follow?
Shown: 2h35
